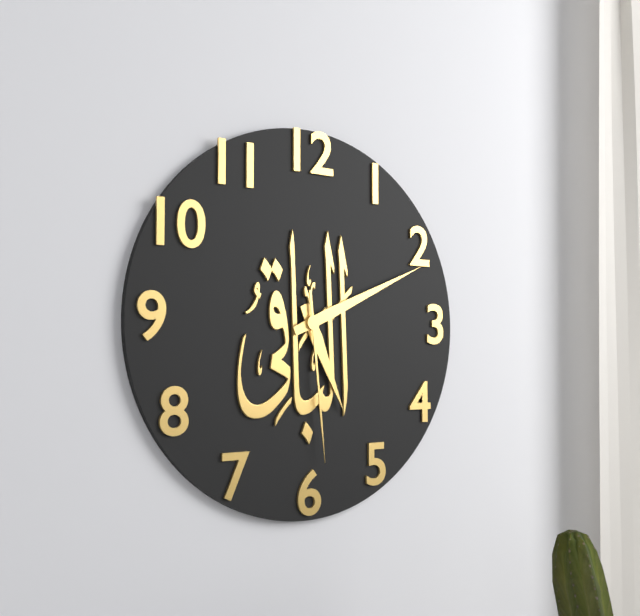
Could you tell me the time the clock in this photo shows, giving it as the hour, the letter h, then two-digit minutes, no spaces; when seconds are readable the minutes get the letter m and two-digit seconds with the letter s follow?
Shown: 5h11m29s
